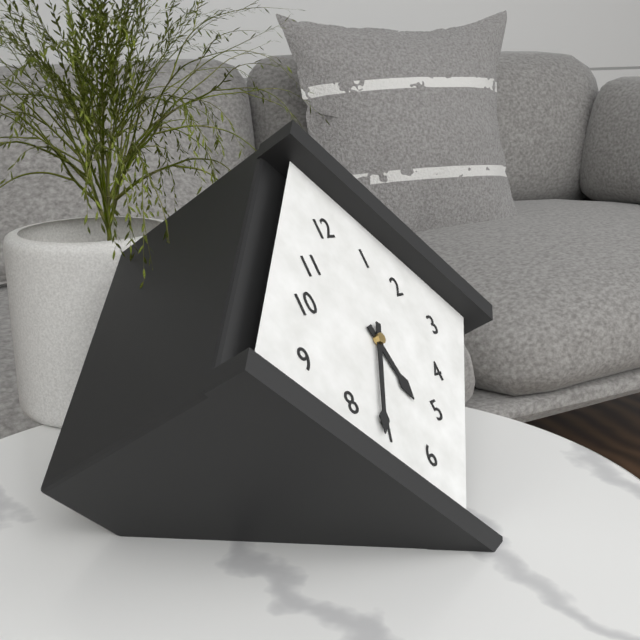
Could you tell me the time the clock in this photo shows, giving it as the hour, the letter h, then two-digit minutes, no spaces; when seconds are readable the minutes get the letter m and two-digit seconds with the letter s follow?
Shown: 5h36
